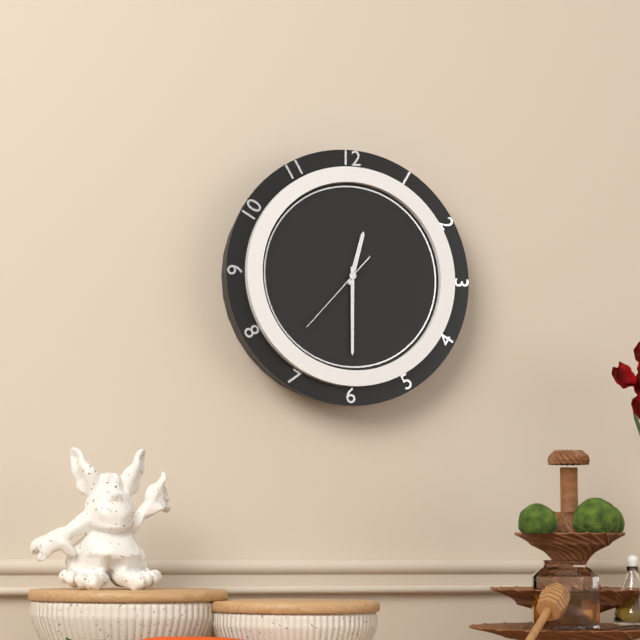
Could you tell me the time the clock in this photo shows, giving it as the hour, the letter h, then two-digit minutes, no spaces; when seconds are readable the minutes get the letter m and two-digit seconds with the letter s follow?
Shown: 12h30m37s
